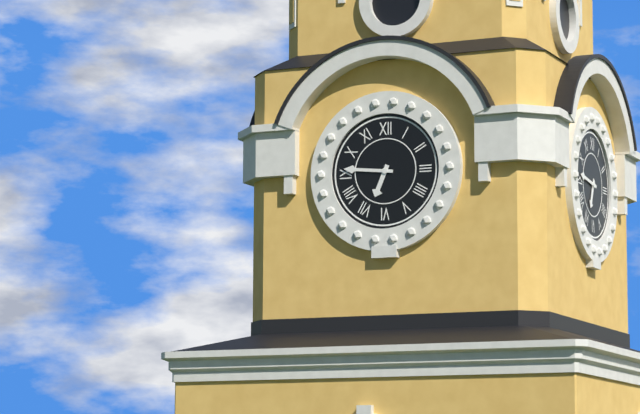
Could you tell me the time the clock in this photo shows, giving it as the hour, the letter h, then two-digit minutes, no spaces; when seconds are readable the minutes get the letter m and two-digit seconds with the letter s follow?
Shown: 6h46
